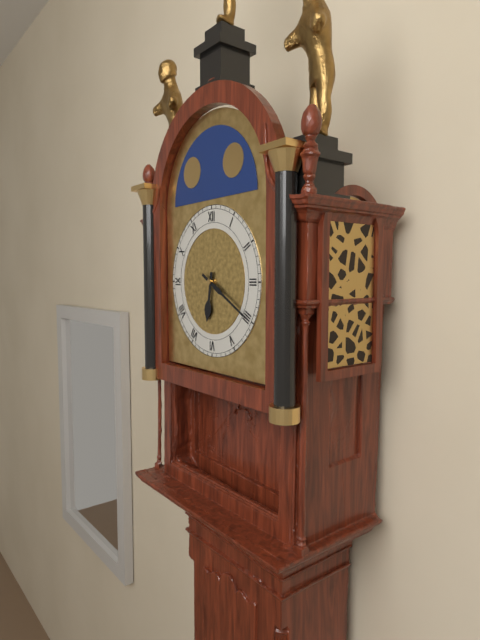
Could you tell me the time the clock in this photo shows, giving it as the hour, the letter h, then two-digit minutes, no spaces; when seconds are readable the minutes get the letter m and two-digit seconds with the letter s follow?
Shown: 6h20
